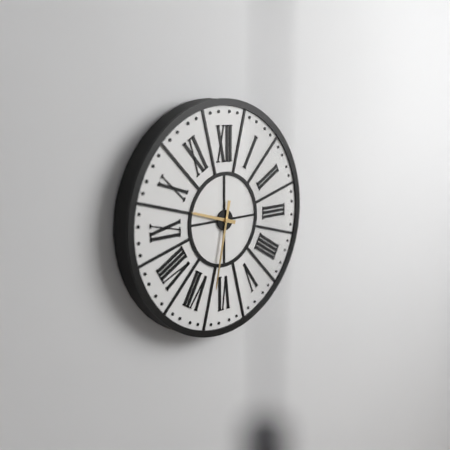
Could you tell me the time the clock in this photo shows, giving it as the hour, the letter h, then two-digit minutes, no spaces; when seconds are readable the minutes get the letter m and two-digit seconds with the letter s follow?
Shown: 9h32
